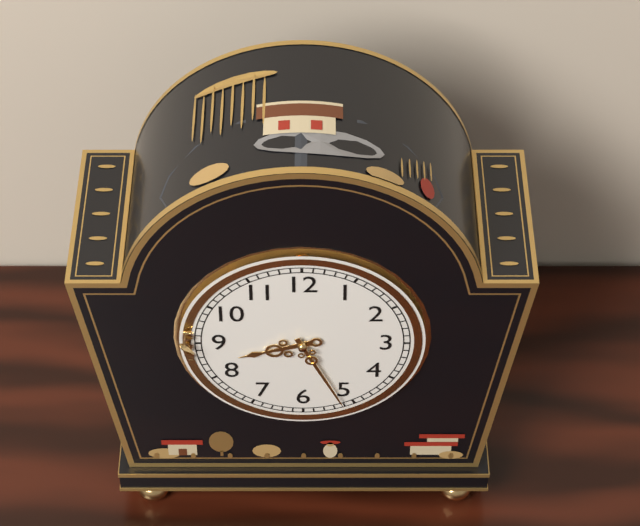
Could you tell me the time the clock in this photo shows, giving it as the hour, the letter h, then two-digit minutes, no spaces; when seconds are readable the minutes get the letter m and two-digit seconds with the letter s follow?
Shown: 8h26
